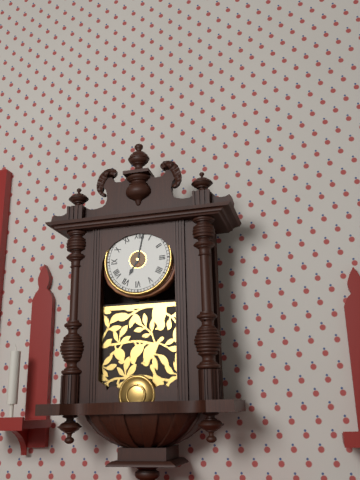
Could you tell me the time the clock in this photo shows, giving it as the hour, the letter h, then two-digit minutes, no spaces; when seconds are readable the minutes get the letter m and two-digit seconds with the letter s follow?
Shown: 7h02
